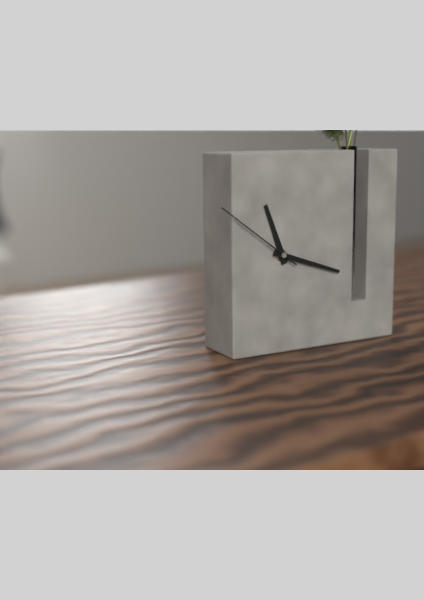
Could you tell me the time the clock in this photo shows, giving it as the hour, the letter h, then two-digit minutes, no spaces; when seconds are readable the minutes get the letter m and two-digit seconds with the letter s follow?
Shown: 11h18m51s
